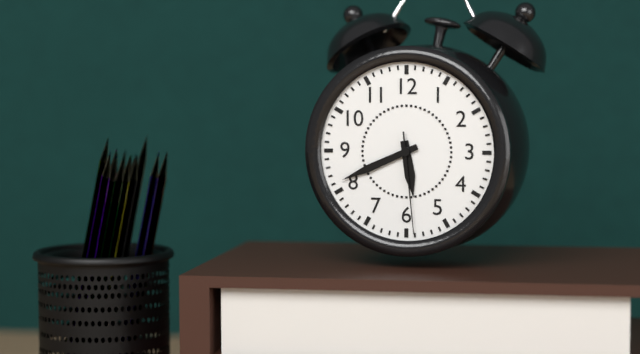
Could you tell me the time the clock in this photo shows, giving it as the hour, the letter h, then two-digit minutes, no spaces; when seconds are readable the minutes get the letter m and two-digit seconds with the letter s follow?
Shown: 5h41m29s
